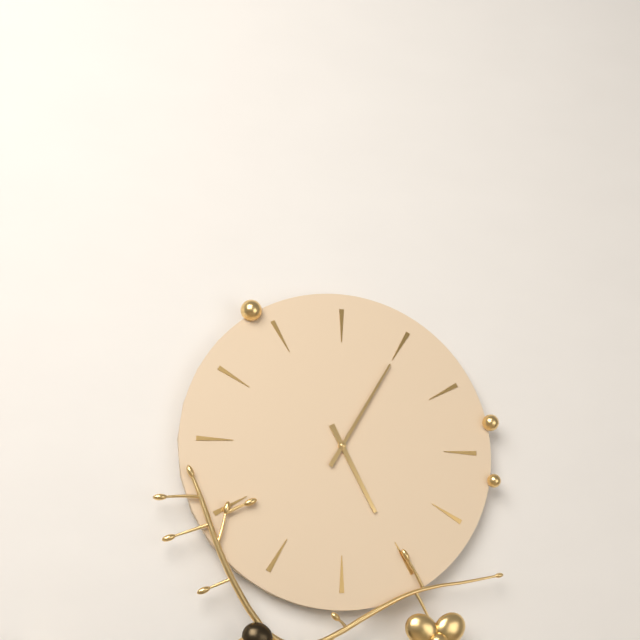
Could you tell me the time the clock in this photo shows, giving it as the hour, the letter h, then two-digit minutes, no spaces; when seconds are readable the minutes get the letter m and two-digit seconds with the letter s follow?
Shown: 5h05
